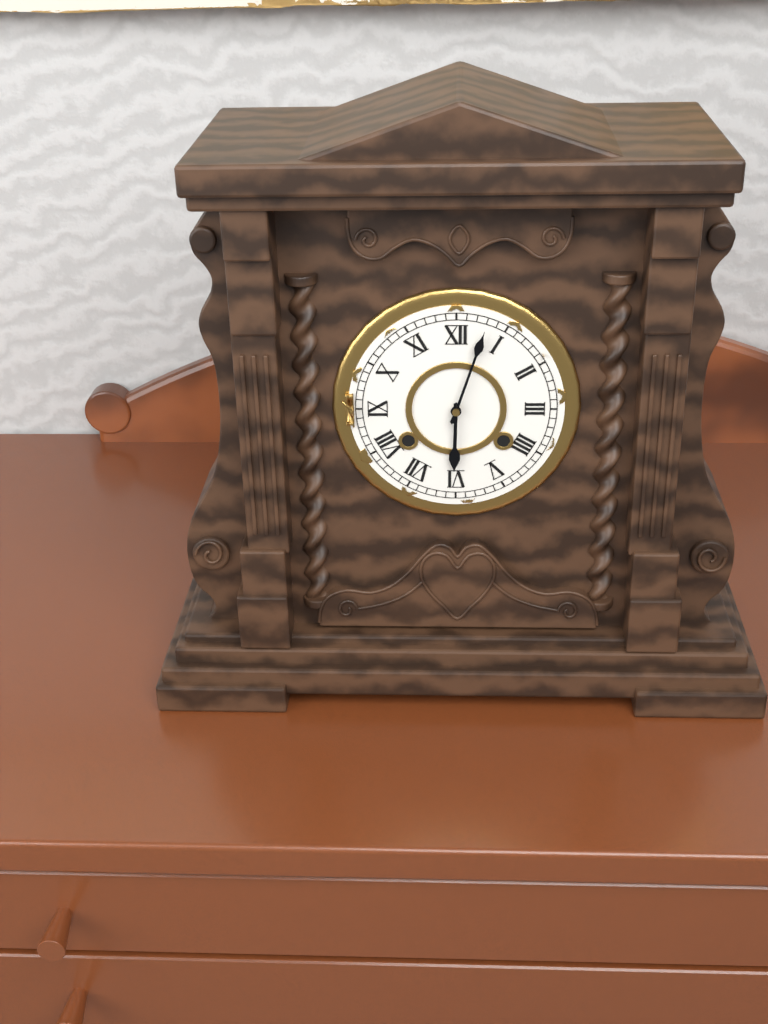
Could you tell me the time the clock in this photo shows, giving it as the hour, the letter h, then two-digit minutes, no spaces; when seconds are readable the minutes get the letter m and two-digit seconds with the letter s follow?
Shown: 6h03
